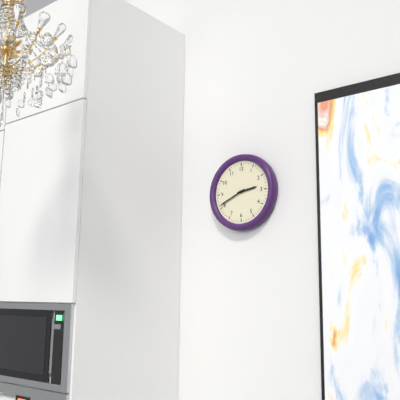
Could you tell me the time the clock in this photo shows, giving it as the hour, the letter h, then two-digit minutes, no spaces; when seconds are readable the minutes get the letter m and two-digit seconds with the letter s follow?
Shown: 2h41
